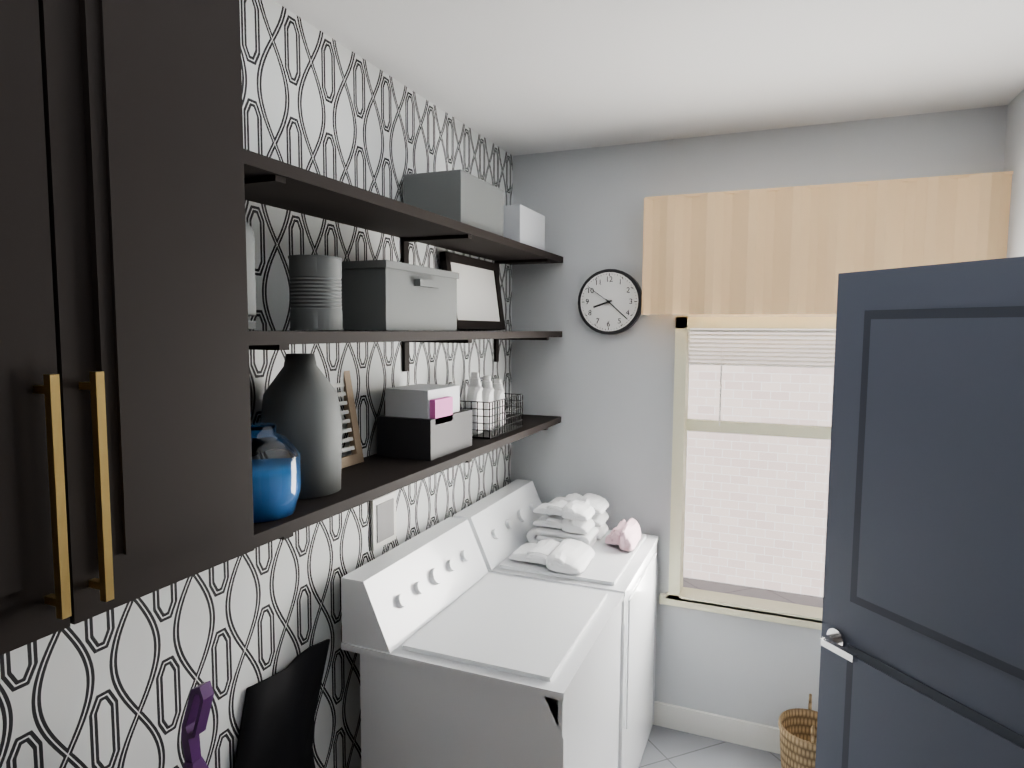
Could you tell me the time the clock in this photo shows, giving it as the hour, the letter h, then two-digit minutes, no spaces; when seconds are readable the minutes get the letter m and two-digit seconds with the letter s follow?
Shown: 8h22
